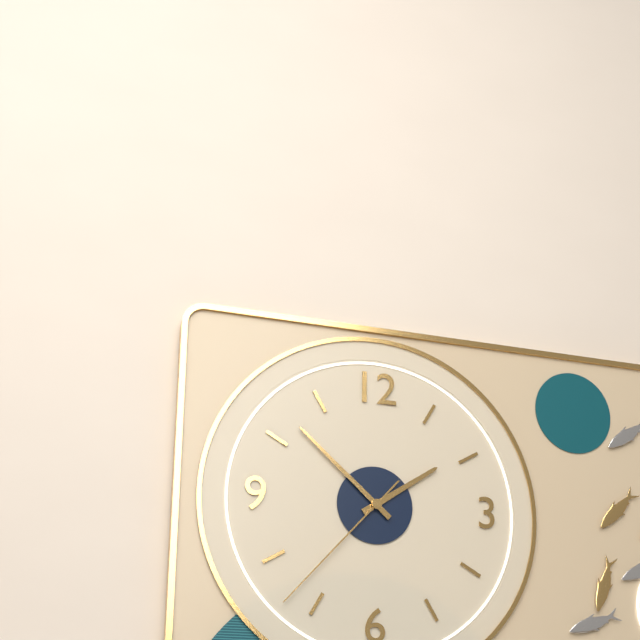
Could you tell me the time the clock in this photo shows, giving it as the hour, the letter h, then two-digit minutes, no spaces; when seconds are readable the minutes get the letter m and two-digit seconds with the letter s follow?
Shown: 1h52m37s
